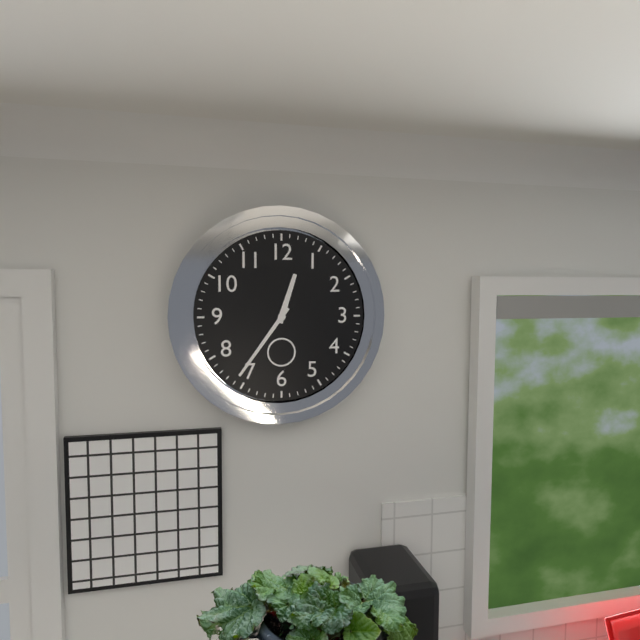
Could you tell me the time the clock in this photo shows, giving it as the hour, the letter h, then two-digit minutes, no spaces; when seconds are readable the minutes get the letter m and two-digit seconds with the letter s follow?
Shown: 12h36
